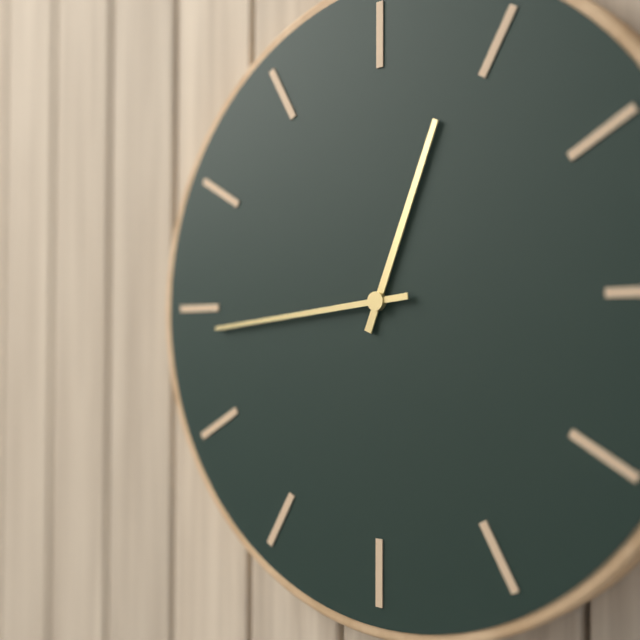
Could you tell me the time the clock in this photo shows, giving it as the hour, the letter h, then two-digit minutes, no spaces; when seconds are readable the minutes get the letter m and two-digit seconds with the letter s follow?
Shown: 12h44
